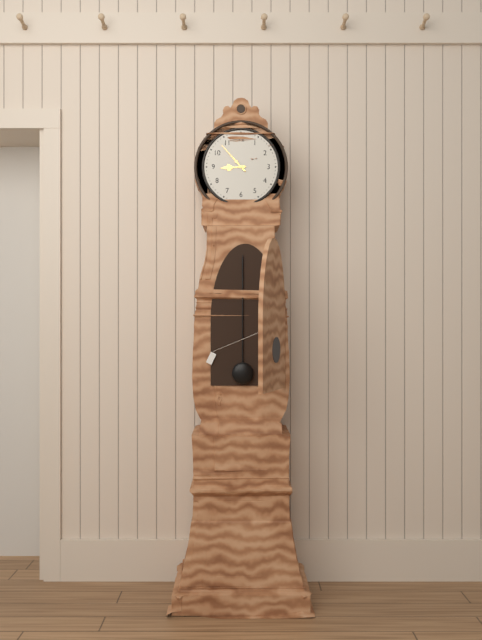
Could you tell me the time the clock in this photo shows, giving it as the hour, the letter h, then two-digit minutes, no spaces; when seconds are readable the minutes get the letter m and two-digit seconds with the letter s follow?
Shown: 8h53
